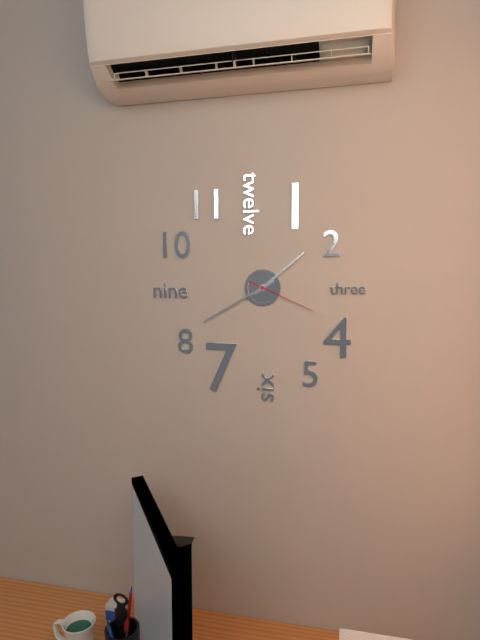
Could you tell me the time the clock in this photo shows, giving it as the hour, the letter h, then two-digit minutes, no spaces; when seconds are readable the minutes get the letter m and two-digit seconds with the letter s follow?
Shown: 1h40m19s
